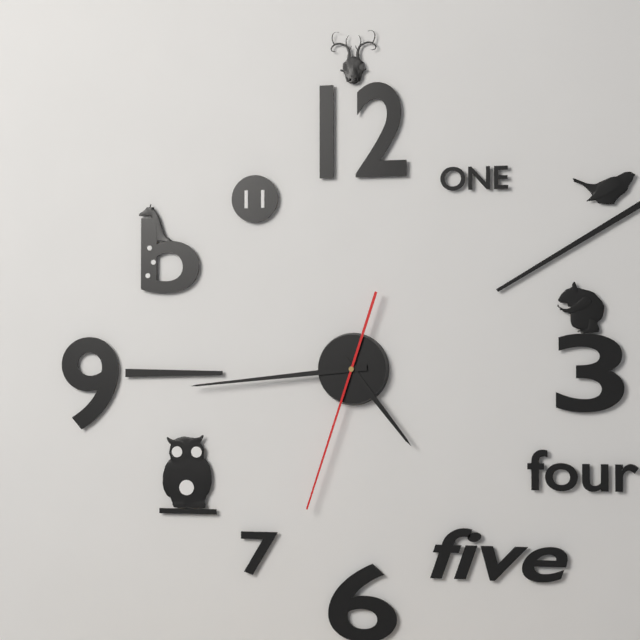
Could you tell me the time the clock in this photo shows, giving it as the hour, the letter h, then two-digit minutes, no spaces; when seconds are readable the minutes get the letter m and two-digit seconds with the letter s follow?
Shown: 4h44m33s
